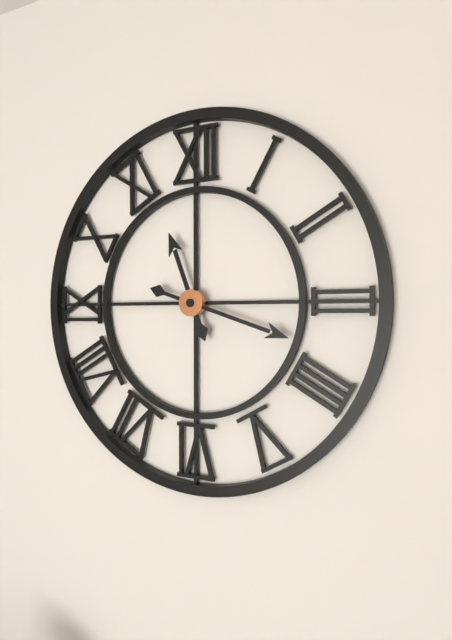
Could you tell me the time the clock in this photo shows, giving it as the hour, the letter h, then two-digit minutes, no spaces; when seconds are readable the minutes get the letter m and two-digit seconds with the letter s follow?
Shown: 11h18
